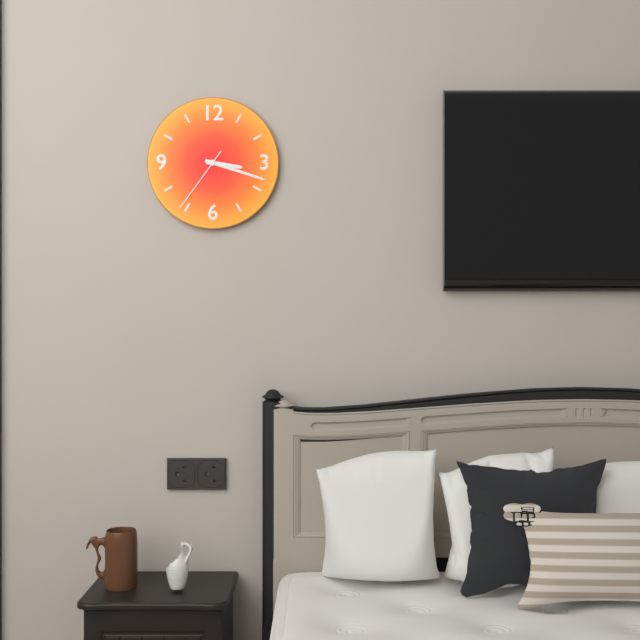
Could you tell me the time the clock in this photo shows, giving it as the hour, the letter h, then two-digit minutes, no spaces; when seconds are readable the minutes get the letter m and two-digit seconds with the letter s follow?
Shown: 3h18m36s
